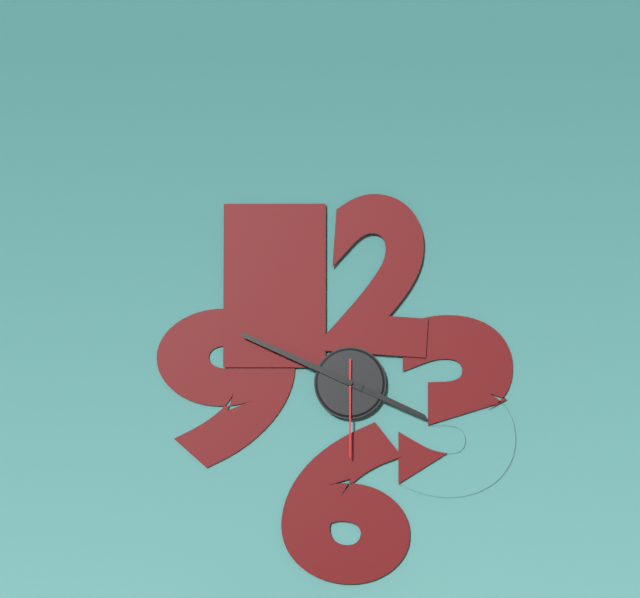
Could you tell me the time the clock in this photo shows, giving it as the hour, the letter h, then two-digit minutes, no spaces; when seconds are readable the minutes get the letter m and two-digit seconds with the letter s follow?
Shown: 3h49m30s
